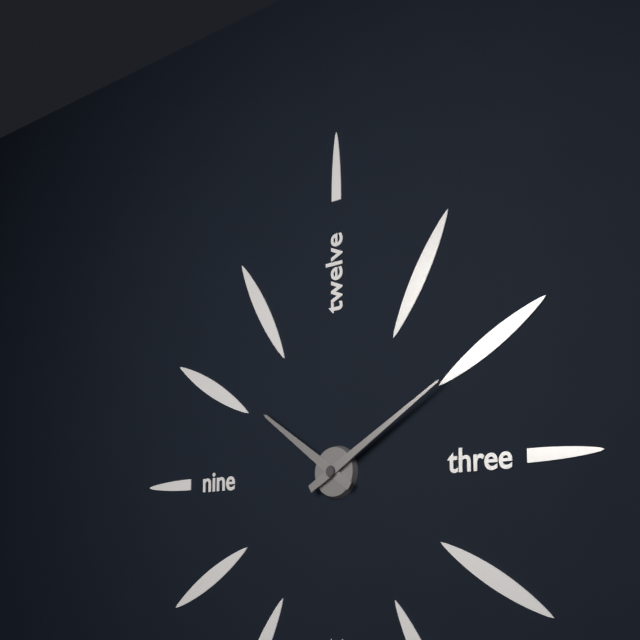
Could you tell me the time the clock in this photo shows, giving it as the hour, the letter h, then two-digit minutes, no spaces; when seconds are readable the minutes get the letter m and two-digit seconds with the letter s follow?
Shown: 10h10
